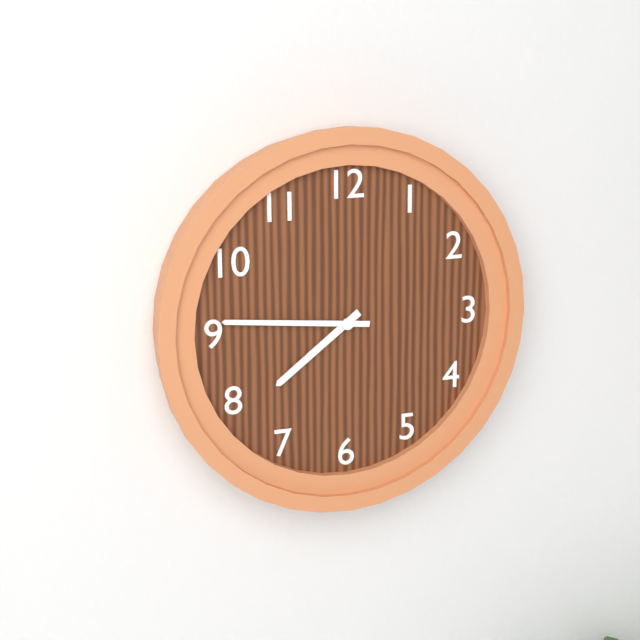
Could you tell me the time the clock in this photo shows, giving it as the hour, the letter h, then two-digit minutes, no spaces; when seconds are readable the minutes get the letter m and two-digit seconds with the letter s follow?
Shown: 7h46
